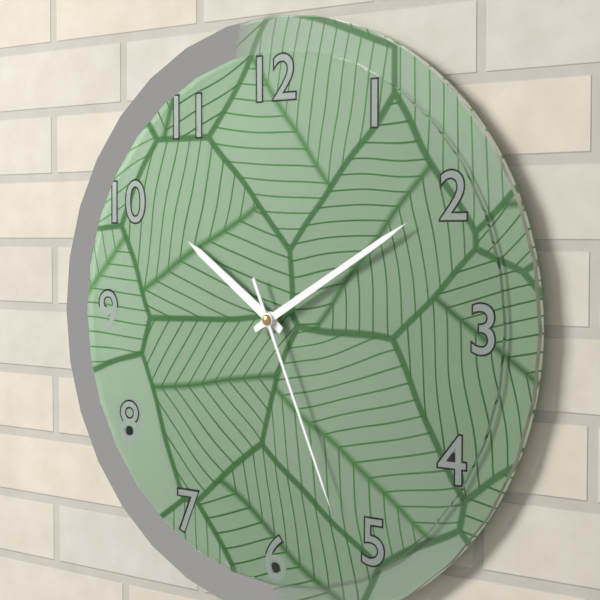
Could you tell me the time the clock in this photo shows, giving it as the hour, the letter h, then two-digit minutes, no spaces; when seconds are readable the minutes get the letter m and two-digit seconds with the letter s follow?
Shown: 10h10m26s
